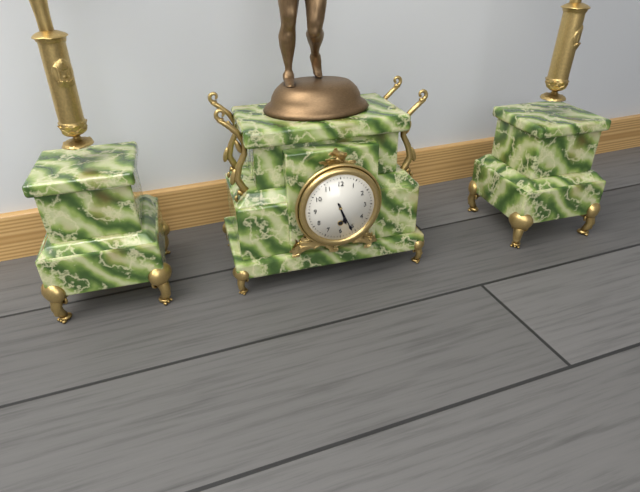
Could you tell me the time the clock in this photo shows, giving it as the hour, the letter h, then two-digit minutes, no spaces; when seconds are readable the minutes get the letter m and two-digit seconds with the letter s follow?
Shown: 5h26
